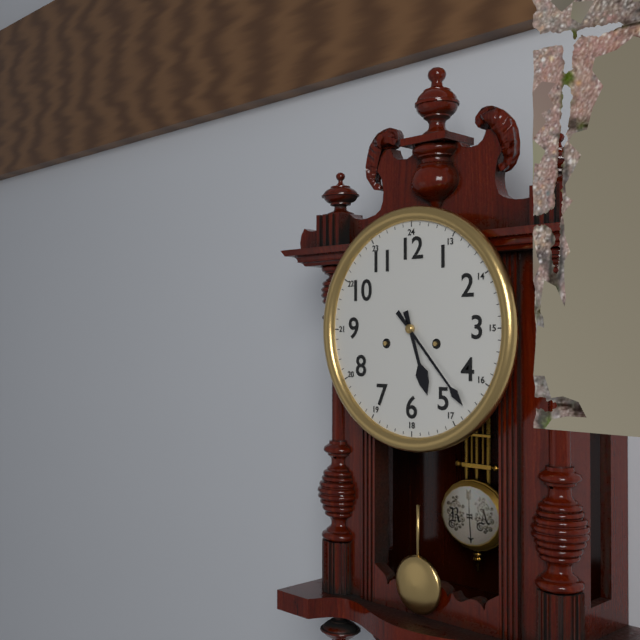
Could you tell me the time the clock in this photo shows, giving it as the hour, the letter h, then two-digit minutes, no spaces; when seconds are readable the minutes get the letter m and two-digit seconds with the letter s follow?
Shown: 5h23
